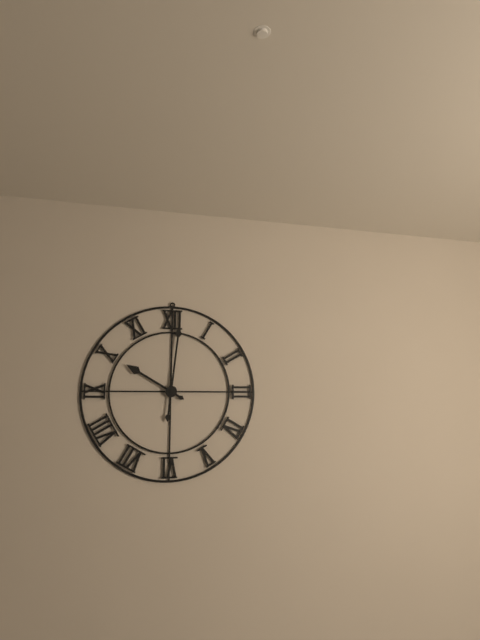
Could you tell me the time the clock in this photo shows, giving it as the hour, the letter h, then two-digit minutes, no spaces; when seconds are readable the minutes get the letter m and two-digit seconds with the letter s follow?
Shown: 10h01
